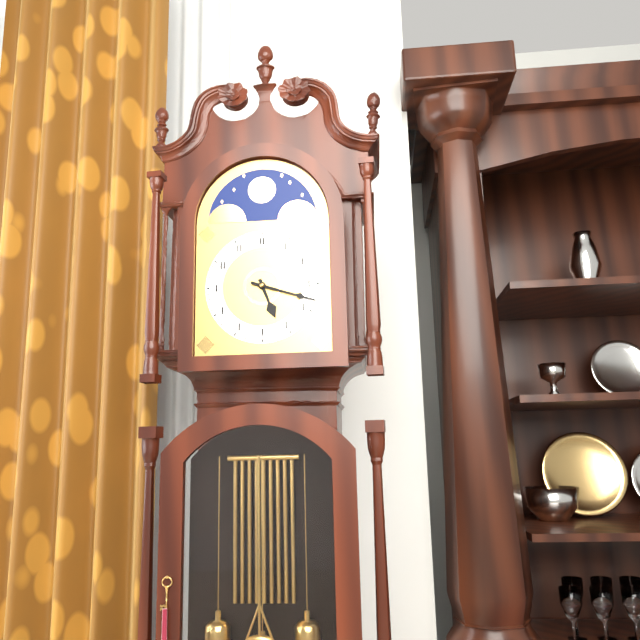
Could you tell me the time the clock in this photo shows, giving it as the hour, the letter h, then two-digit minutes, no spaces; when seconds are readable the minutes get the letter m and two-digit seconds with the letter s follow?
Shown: 5h18
